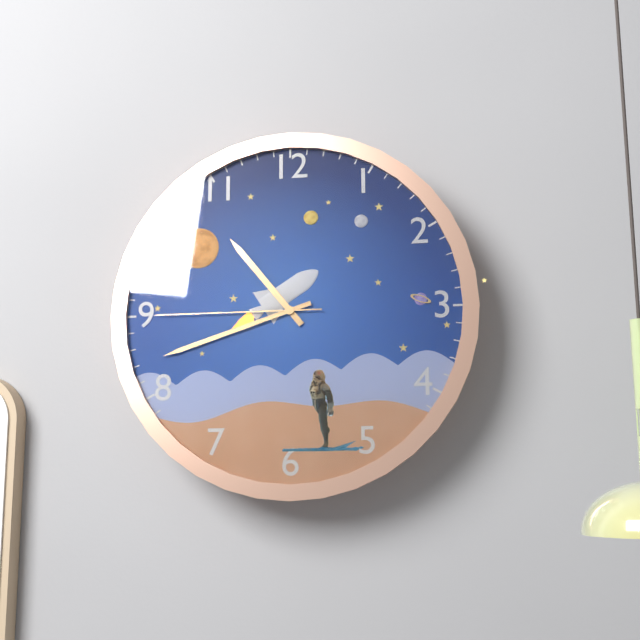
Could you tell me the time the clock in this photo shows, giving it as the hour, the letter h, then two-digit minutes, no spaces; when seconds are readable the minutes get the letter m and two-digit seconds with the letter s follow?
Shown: 10h42m45s
